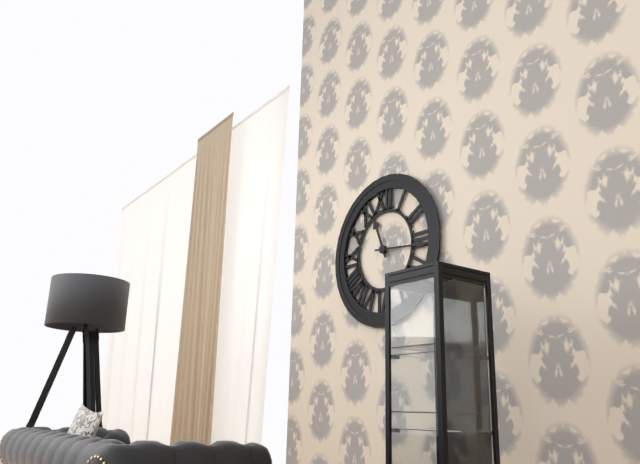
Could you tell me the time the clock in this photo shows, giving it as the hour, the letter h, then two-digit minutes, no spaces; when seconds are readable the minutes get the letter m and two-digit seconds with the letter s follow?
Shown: 11h16
